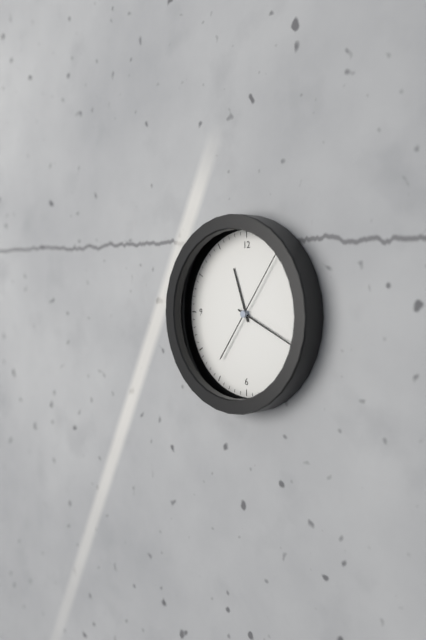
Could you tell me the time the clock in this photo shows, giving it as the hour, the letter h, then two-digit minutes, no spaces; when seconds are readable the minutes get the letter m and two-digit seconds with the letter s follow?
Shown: 11h19m06s
